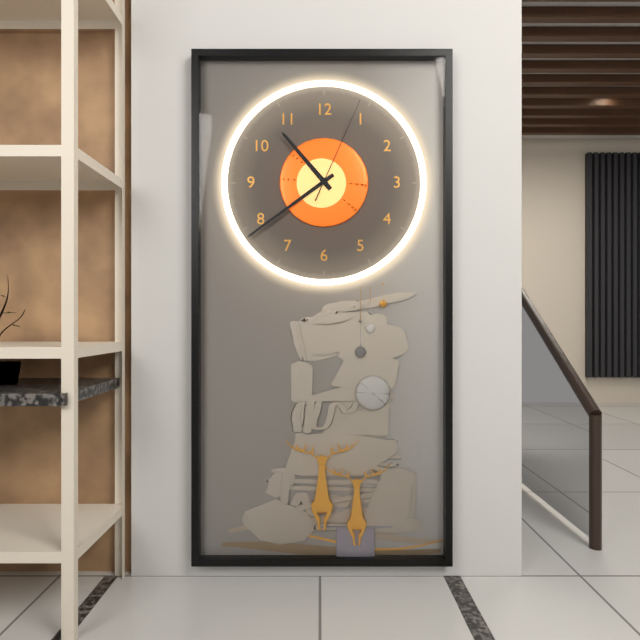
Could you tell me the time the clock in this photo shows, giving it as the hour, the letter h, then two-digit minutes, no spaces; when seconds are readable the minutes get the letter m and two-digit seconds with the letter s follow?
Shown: 10h39m04s
